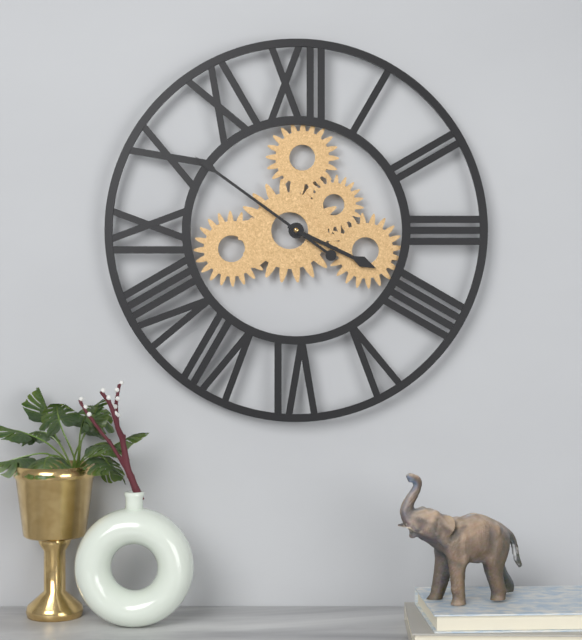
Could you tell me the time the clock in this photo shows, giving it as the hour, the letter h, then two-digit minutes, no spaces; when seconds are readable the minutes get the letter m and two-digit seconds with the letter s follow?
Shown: 3h51
